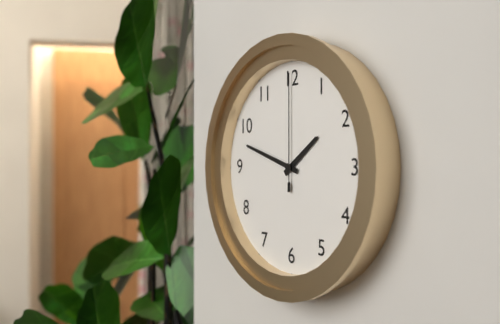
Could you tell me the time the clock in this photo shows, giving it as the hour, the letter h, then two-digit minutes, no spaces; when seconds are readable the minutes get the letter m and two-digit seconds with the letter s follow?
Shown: 1h48m00s
